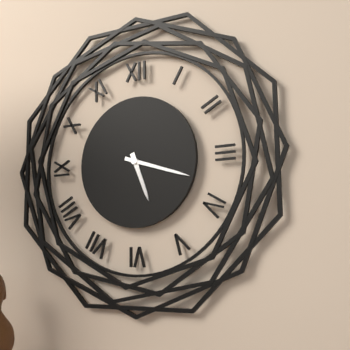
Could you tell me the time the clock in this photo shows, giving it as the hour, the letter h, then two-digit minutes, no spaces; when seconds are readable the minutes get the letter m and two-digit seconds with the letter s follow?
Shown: 5h18
